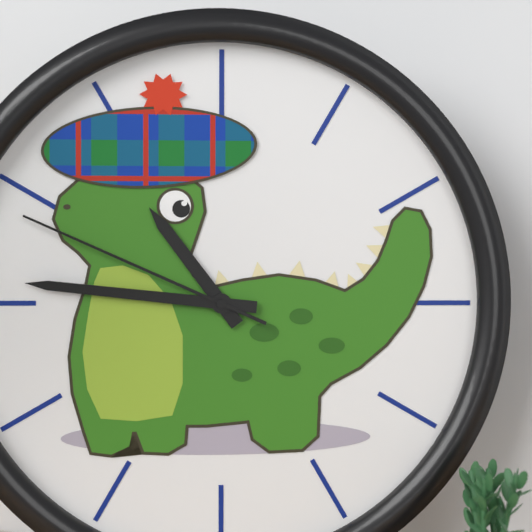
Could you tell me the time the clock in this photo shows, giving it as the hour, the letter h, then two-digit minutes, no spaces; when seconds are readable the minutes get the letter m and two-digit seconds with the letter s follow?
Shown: 10h46m49s
